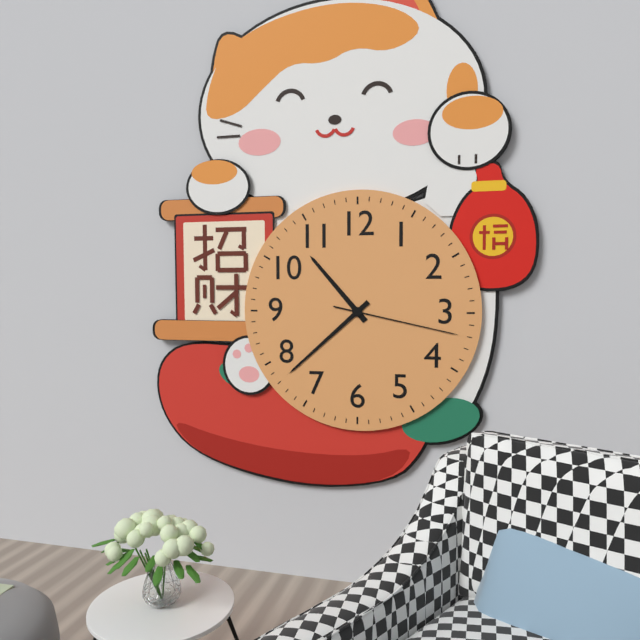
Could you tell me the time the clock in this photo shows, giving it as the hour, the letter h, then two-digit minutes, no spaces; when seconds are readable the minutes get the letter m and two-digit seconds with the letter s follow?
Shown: 10h38m17s
